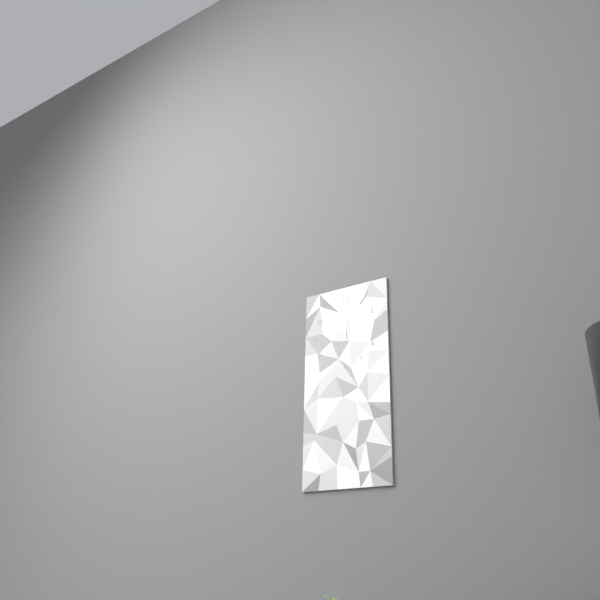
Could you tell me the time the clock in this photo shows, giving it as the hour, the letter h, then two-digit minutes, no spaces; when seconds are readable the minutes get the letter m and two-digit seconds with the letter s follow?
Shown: 11h58
